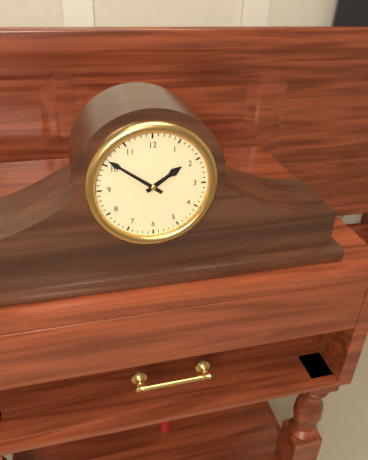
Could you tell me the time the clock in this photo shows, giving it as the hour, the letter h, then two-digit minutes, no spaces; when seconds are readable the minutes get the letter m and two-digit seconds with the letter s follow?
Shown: 1h51
